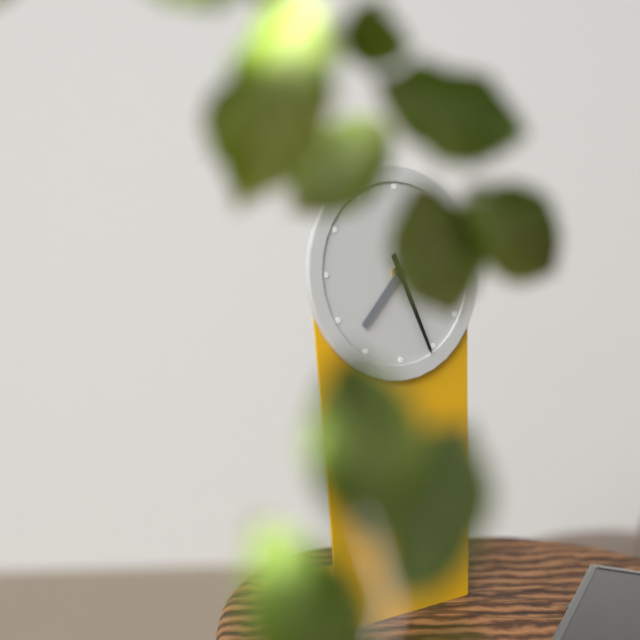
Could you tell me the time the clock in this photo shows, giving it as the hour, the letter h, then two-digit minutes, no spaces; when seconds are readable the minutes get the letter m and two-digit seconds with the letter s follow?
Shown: 7h26
